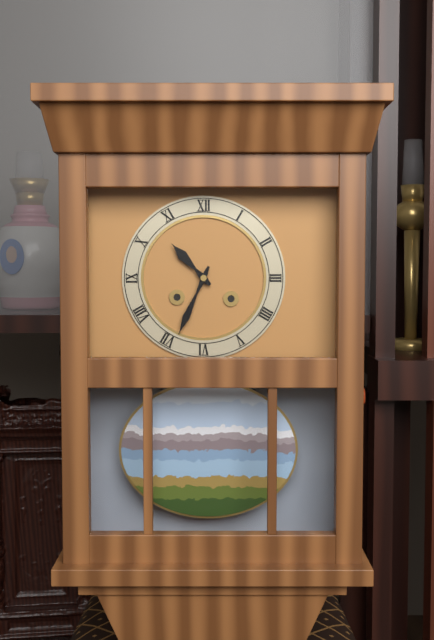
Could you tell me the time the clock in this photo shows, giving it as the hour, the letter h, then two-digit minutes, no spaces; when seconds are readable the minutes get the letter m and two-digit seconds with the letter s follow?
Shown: 10h34
